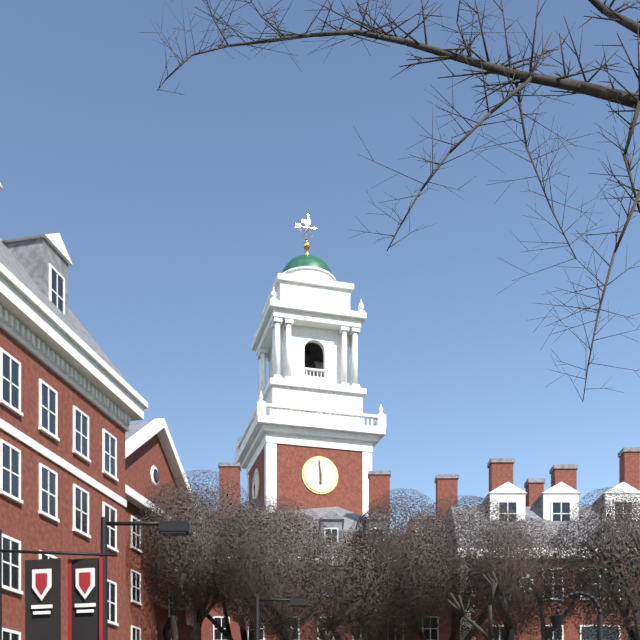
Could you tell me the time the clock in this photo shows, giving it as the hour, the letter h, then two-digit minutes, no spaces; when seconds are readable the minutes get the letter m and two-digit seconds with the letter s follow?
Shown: 5h59
